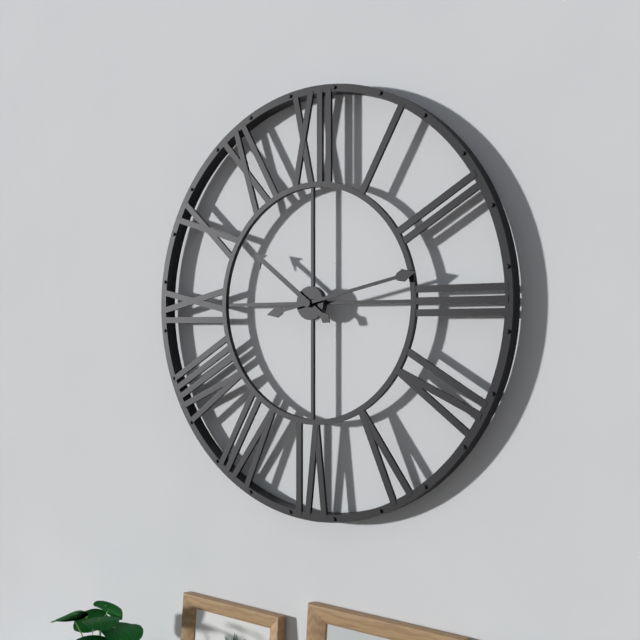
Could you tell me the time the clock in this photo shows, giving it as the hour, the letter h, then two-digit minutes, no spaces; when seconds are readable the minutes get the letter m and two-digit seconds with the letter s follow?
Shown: 10h13
